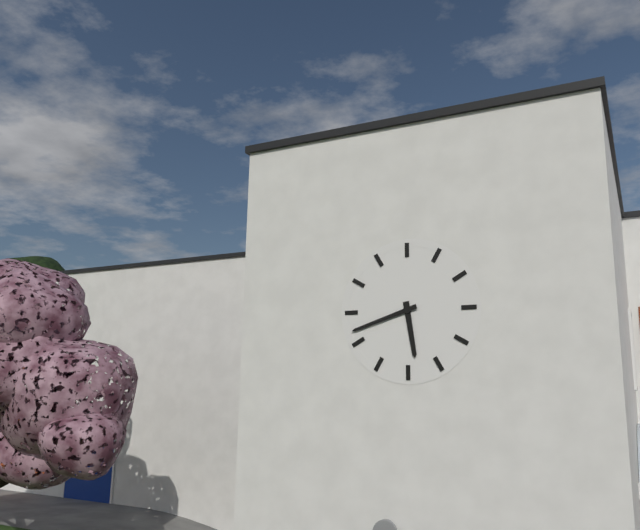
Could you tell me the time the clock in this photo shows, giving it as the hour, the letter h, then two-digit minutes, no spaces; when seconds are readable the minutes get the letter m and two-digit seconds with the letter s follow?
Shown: 5h42
